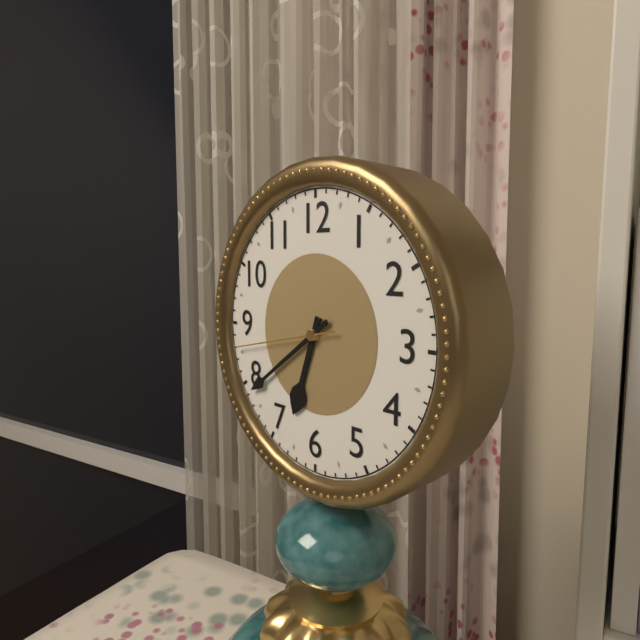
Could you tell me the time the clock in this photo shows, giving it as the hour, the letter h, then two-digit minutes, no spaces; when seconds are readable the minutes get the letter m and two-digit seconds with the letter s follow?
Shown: 6h39m43s
